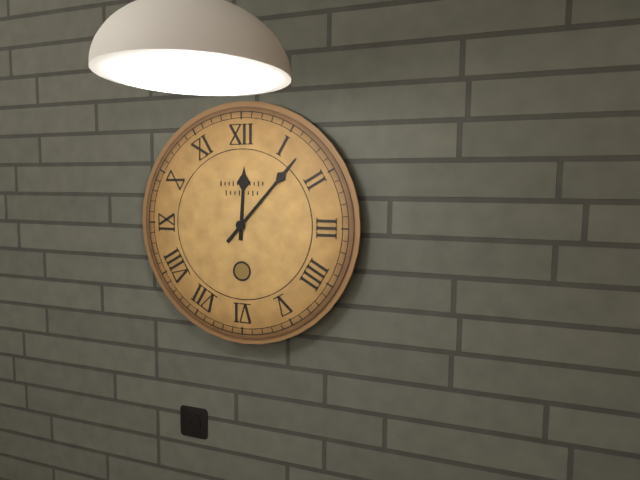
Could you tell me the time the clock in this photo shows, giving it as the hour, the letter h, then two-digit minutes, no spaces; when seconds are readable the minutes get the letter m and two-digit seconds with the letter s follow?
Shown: 12h07
